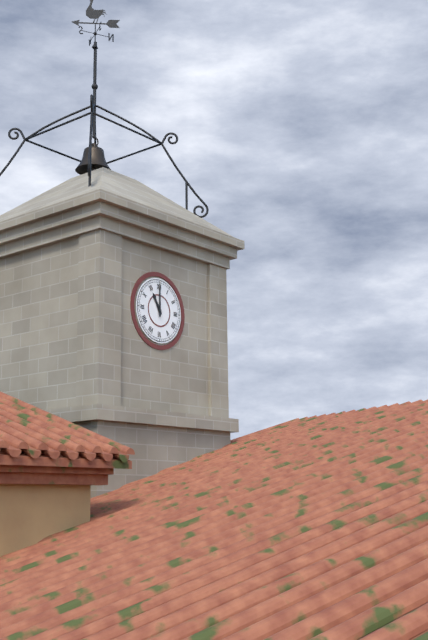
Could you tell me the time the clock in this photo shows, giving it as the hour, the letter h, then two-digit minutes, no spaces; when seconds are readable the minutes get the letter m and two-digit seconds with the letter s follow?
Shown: 11h00
